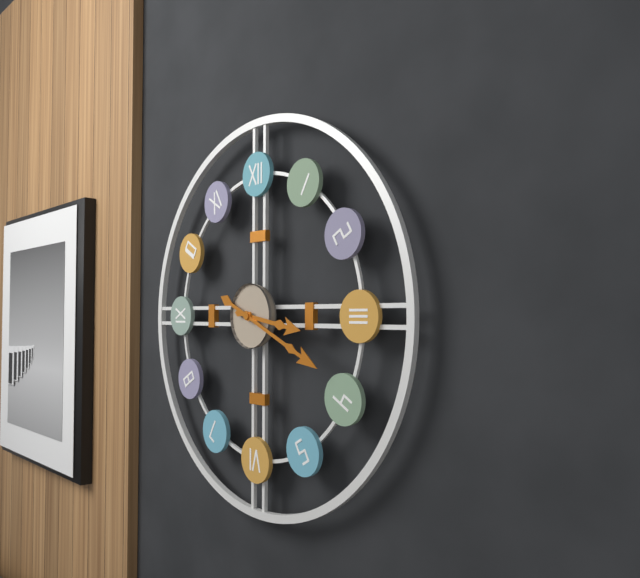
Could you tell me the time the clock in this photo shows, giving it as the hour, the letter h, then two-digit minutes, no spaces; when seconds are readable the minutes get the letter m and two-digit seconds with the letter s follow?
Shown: 3h19
